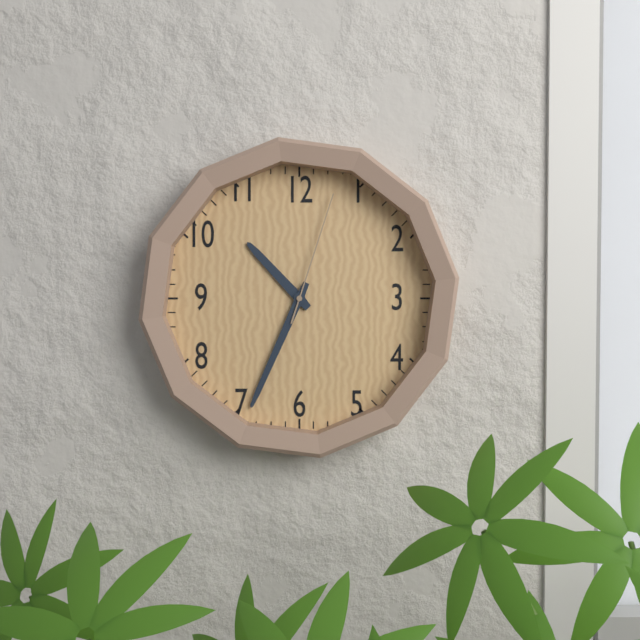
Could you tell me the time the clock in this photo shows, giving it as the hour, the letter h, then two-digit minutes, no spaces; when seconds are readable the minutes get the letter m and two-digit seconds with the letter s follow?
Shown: 10h34m03s
